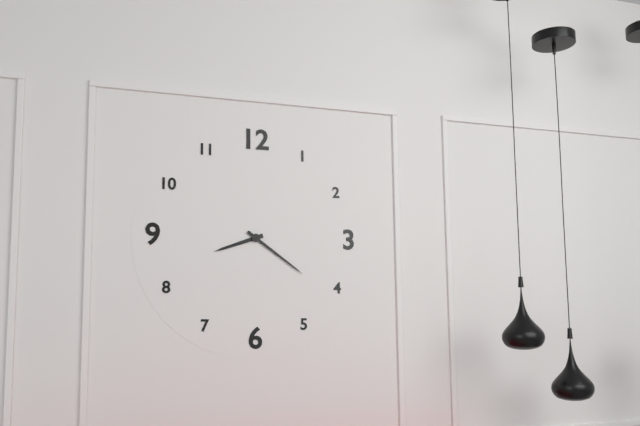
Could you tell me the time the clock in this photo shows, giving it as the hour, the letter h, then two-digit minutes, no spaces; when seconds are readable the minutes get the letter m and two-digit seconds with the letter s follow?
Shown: 8h21
